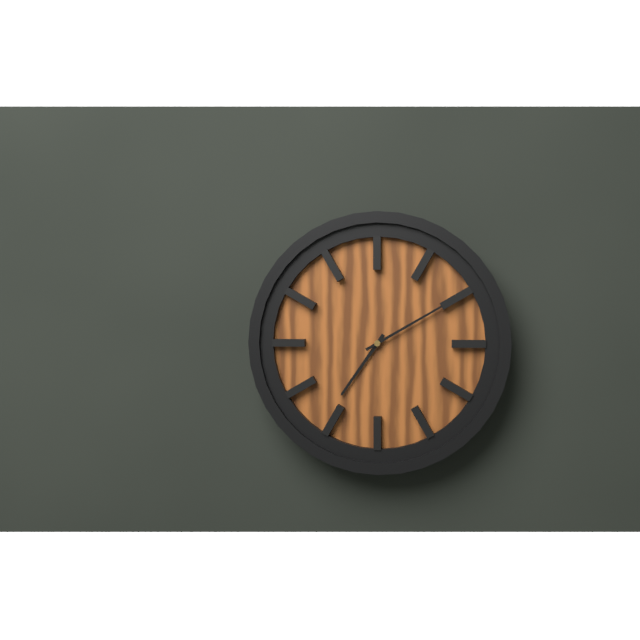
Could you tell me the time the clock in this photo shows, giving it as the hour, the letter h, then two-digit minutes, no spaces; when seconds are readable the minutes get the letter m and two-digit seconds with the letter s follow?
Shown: 7h10
